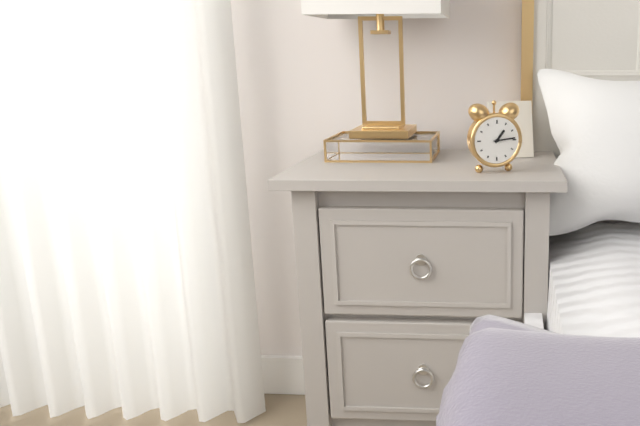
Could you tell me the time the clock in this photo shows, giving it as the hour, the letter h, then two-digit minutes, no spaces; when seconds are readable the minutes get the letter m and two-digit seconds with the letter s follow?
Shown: 1h14
